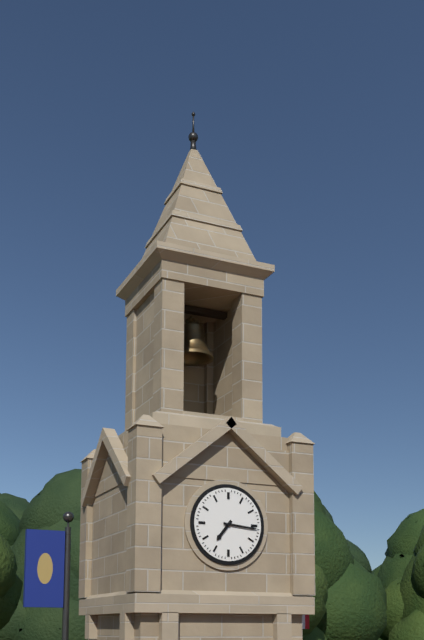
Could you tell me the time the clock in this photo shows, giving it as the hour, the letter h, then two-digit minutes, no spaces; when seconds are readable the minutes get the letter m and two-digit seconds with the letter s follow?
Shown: 7h16
